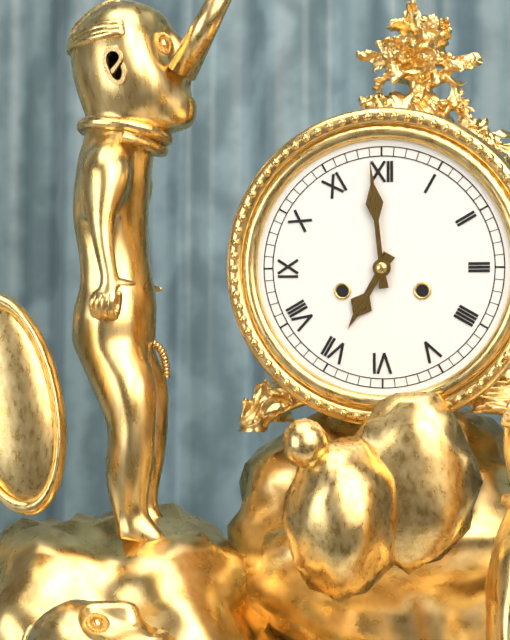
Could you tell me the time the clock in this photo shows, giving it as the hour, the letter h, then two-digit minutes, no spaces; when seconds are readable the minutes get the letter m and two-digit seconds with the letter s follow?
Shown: 6h59
